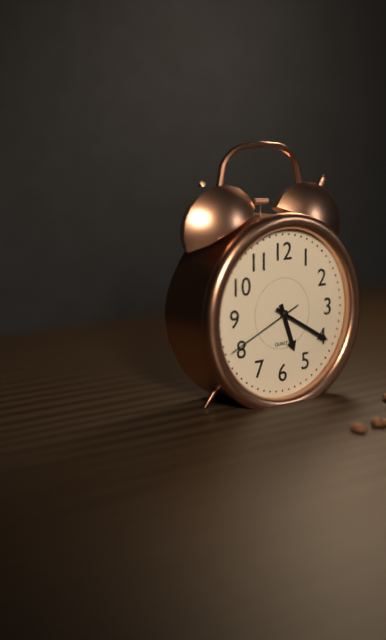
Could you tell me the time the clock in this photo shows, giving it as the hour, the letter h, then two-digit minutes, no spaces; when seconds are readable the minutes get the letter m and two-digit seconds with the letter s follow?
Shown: 5h20m41s
